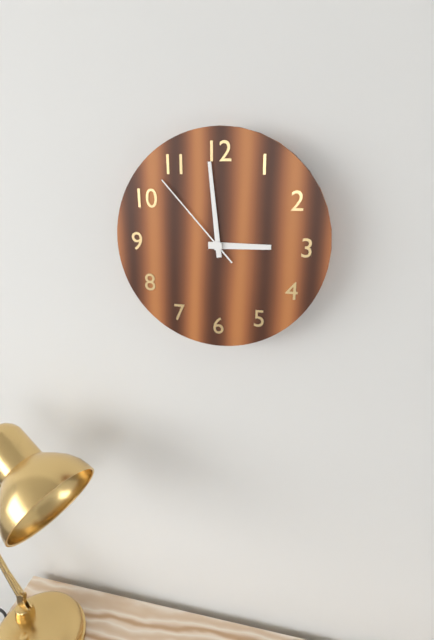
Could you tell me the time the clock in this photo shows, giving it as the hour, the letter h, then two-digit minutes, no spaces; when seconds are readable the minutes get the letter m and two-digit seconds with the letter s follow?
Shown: 2h59m53s
